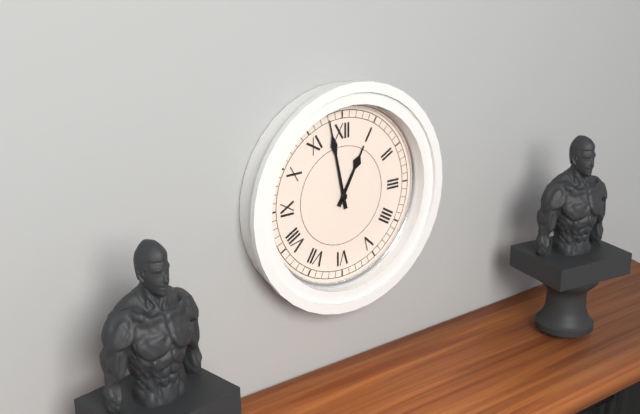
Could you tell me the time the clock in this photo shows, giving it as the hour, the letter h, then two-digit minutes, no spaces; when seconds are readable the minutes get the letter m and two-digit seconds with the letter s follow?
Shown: 12h58
